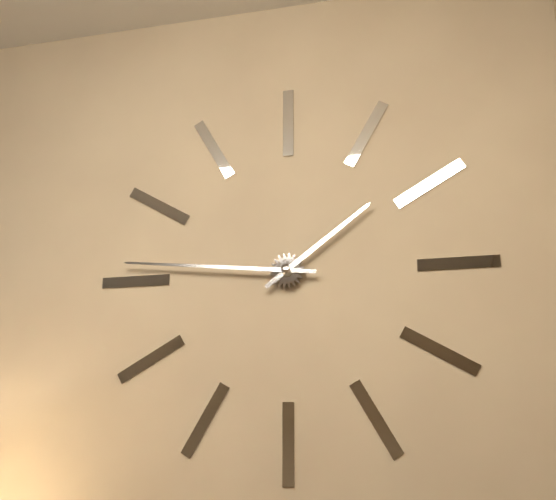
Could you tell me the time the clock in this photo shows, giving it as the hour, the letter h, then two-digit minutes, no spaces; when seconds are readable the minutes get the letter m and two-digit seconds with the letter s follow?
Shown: 1h46
